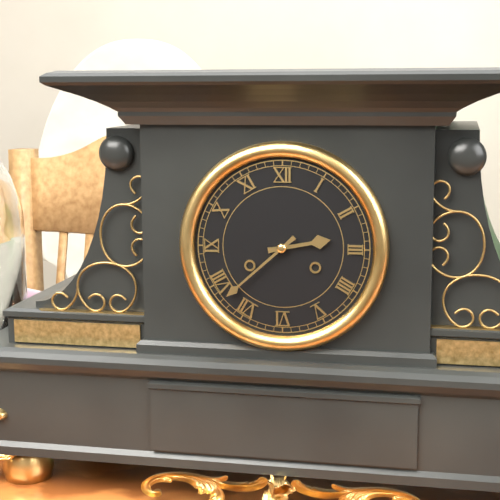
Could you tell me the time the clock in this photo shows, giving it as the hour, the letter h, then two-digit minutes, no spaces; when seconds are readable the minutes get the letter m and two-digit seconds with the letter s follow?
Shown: 2h38
